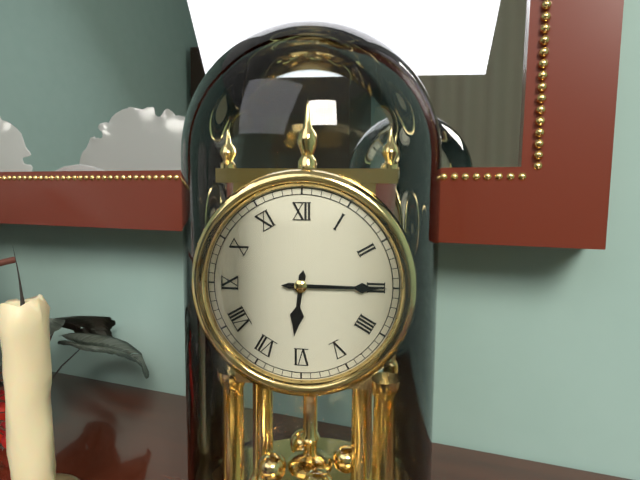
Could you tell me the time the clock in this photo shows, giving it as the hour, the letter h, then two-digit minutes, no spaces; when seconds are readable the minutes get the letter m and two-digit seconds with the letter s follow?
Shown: 6h15
